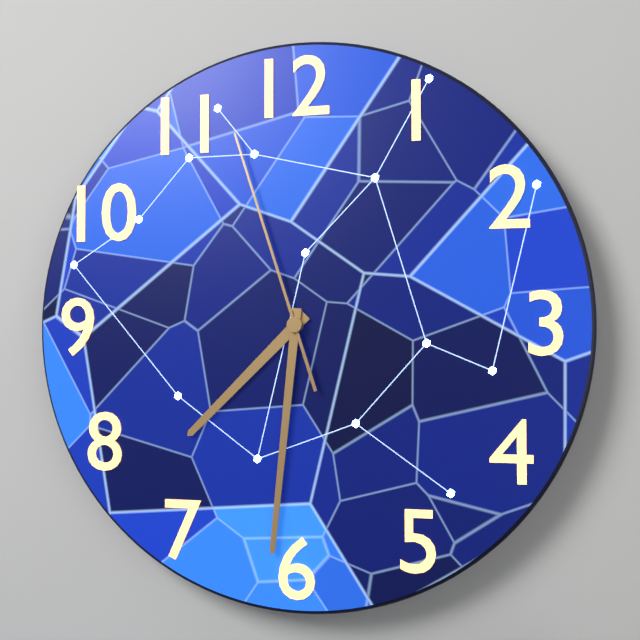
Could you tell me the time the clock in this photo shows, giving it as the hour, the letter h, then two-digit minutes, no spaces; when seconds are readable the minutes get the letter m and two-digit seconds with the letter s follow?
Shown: 7h31m57s
